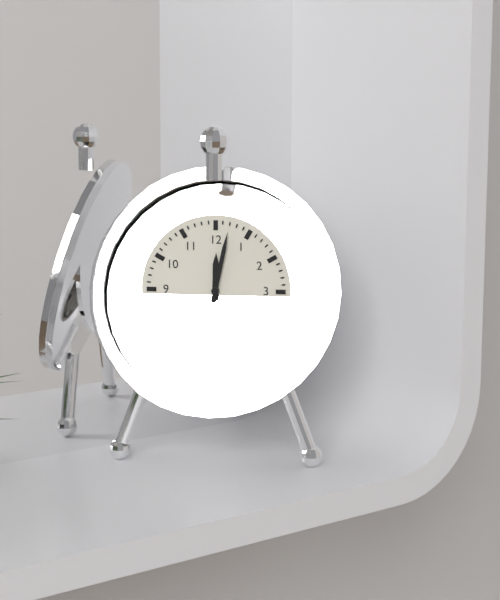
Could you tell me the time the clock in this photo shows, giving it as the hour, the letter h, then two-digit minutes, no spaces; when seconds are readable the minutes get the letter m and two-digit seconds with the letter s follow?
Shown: 12h02
